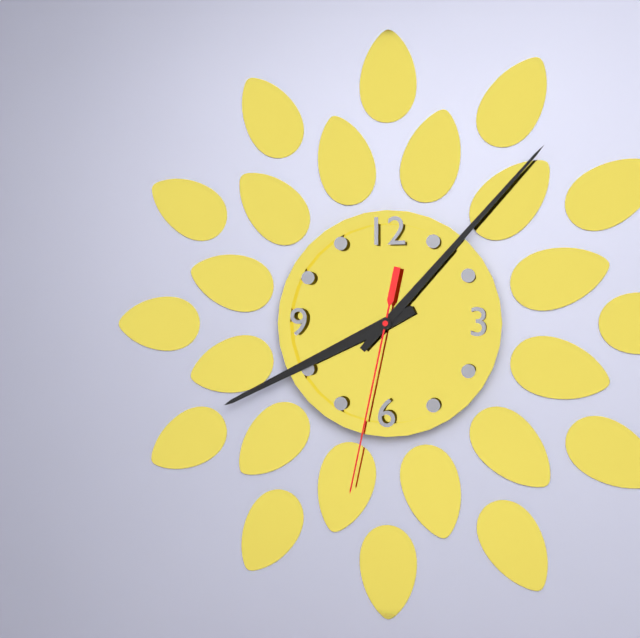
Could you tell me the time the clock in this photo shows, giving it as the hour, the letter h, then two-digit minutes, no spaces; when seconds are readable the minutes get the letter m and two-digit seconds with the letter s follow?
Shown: 8h07m32s
